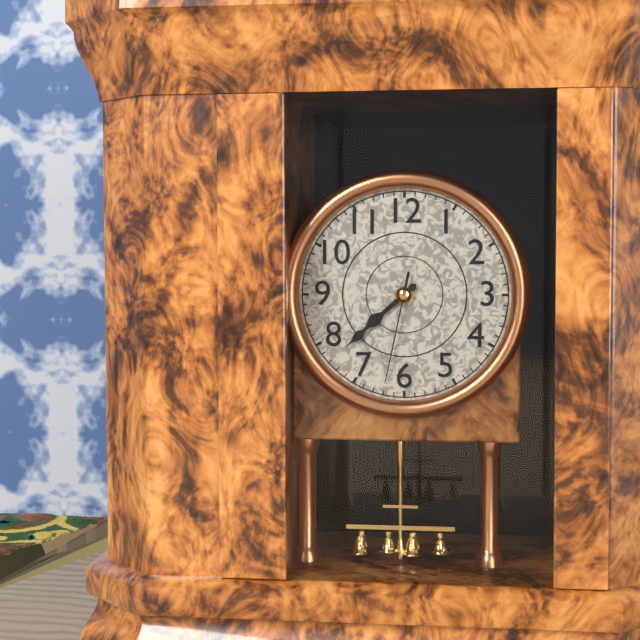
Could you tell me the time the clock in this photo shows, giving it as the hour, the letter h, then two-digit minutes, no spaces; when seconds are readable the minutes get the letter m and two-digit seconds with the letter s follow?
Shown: 7h38m32s
